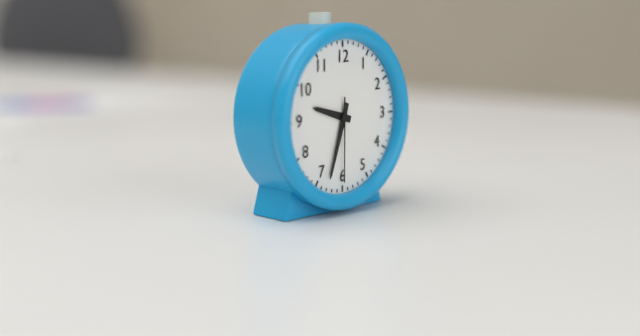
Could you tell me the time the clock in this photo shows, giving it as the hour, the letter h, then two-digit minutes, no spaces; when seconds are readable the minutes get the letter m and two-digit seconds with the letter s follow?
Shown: 9h33m30s
